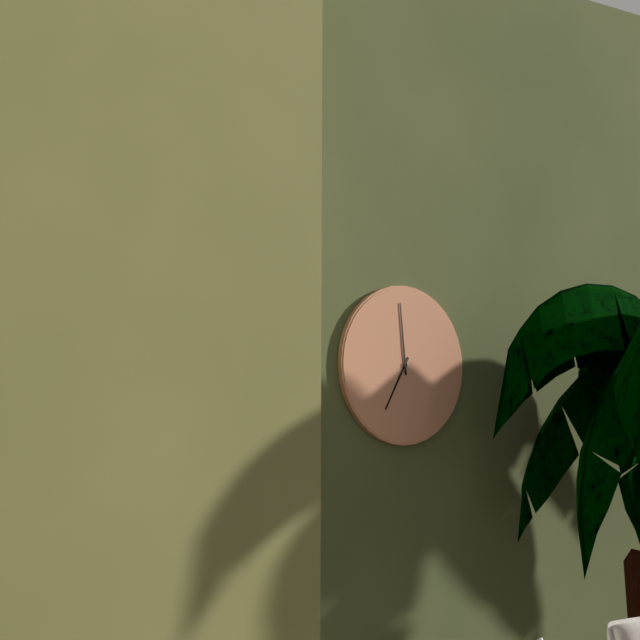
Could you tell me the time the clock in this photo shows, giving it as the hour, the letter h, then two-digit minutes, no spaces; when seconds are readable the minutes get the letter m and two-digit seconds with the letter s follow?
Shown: 6h59
